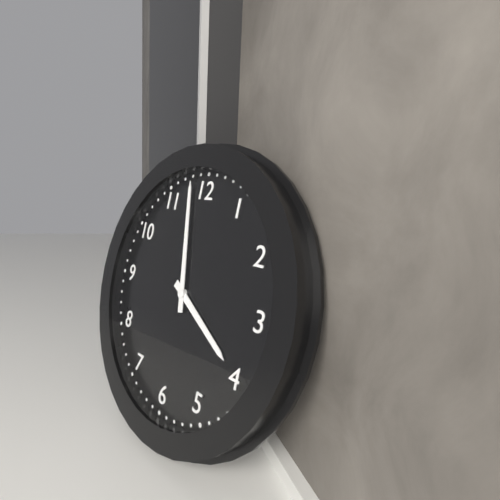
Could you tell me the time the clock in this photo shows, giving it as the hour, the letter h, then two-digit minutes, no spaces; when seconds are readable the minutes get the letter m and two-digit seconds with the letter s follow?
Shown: 3h58
